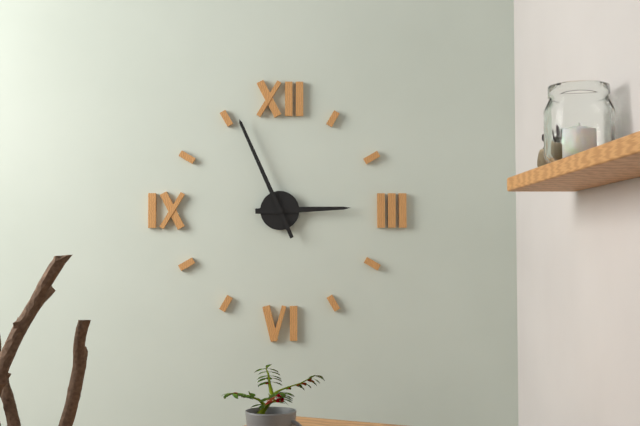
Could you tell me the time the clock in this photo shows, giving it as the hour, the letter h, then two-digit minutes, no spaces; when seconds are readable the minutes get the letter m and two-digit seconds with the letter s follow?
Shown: 2h56
